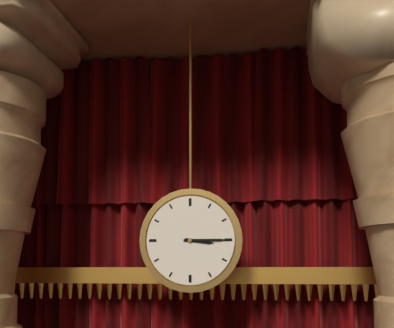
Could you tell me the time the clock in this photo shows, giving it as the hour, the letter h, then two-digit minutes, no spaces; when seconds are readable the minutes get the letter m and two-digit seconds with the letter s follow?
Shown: 3h15
